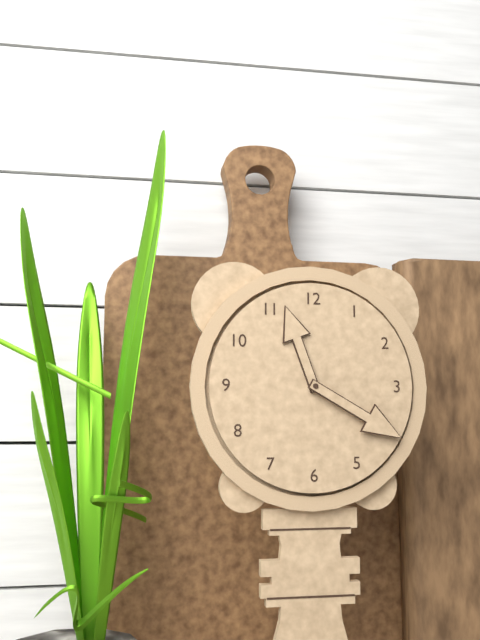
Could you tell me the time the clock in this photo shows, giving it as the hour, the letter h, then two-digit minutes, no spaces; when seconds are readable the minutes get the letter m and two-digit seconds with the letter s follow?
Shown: 11h20
